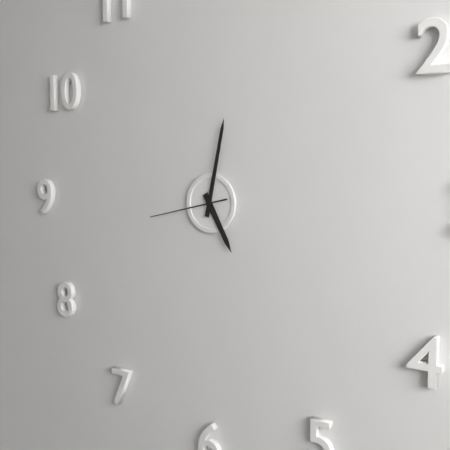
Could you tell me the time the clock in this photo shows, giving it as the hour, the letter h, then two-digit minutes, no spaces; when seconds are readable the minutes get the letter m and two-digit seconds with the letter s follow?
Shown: 5h02m43s
